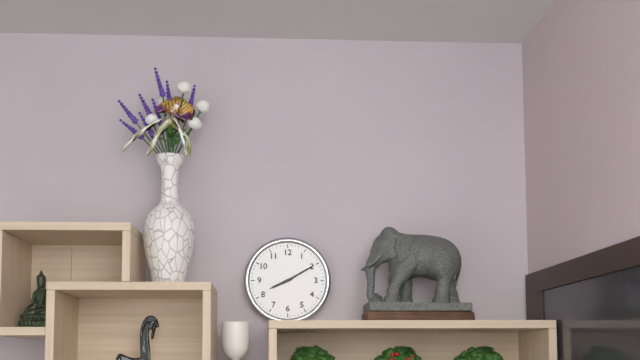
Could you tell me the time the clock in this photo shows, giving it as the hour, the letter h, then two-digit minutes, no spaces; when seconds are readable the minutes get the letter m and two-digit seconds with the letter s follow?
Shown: 8h10
